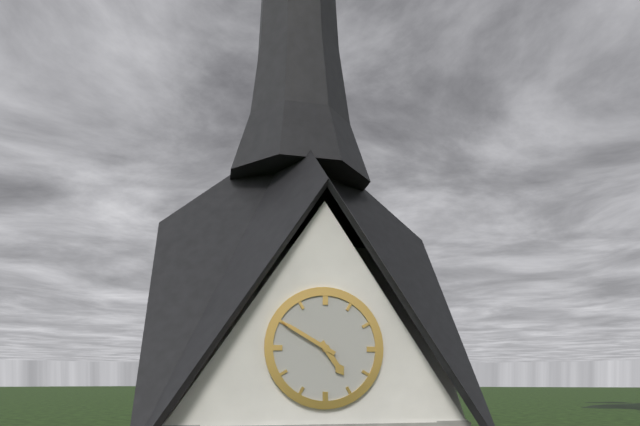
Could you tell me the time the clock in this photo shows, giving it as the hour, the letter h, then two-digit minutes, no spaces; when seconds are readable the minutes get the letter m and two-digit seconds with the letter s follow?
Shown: 4h50
